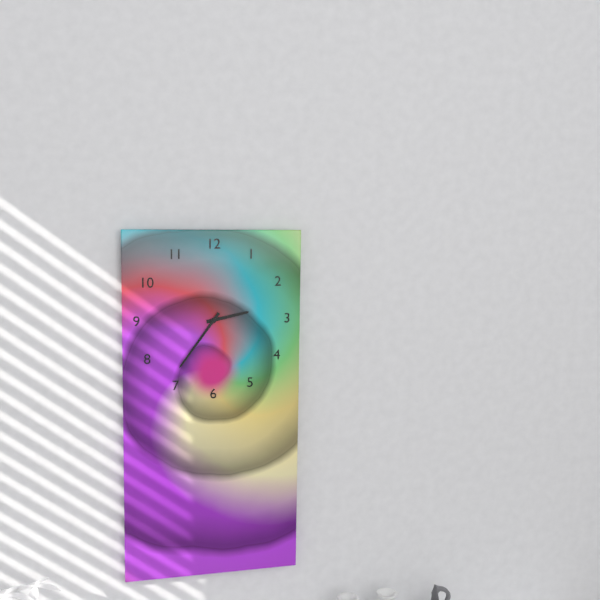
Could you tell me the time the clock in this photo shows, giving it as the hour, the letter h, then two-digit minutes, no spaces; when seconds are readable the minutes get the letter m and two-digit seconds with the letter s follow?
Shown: 2h36
